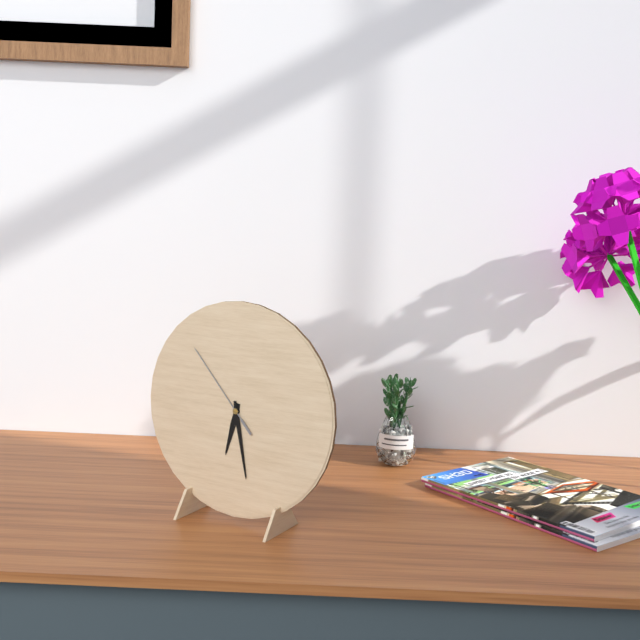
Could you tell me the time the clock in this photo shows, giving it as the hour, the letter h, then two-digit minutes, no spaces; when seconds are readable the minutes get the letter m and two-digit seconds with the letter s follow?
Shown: 6h28m53s
